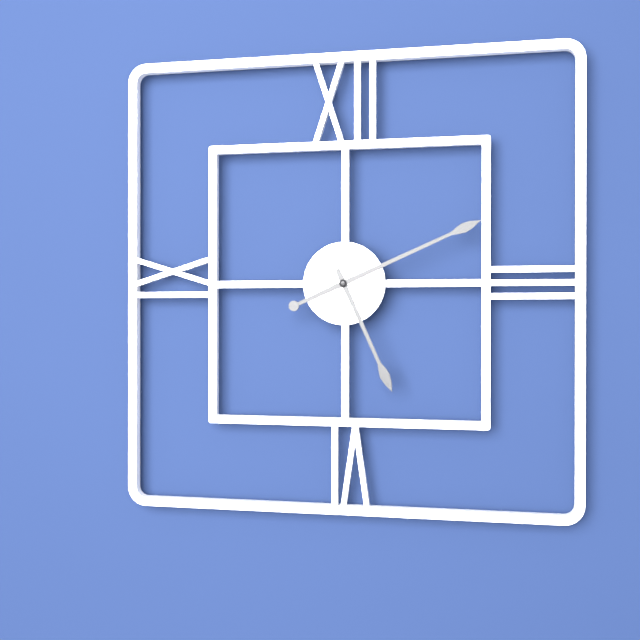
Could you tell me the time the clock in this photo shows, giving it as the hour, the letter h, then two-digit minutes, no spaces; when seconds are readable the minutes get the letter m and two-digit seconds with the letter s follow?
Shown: 5h11
